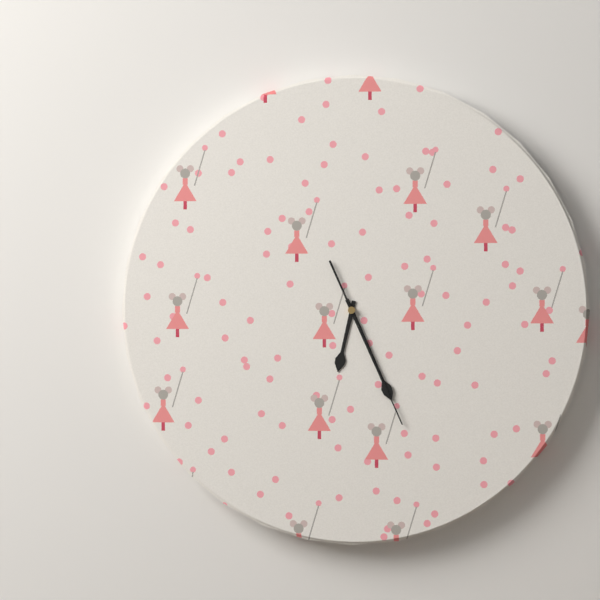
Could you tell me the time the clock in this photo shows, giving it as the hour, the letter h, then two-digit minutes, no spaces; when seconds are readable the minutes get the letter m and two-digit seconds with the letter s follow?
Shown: 6h26m26s
